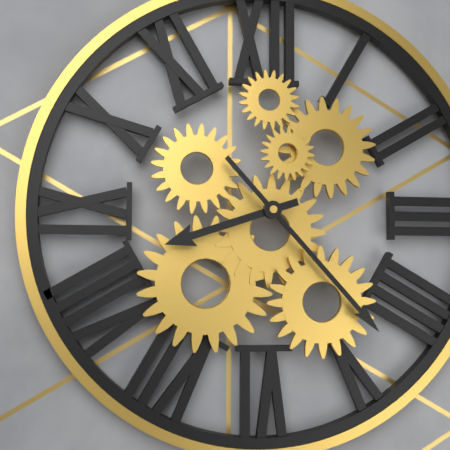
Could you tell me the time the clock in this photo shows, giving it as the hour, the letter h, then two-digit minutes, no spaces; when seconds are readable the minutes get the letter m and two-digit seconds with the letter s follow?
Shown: 8h23
